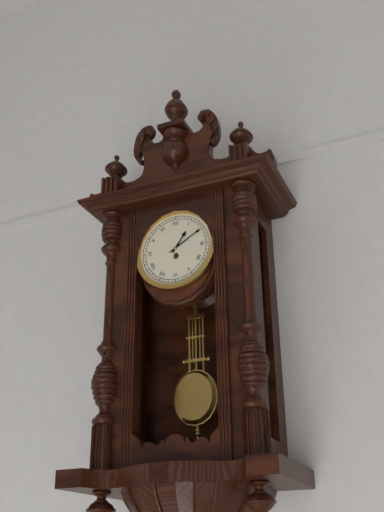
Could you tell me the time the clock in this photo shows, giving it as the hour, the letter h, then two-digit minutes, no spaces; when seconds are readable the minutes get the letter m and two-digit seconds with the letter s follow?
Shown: 1h10
